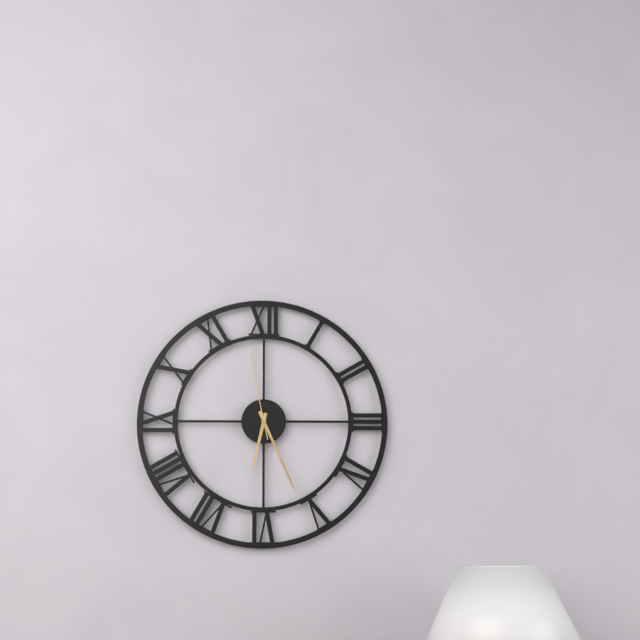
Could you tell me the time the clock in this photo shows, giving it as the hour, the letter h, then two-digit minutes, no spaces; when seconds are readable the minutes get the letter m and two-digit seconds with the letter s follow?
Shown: 6h26m58s
